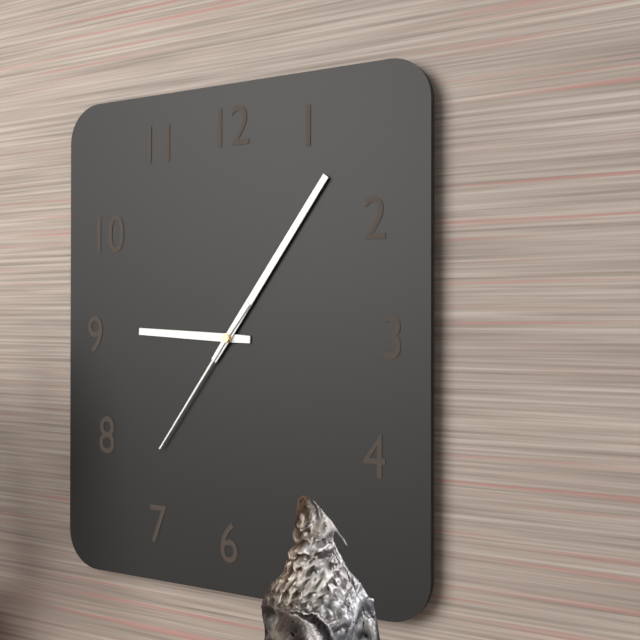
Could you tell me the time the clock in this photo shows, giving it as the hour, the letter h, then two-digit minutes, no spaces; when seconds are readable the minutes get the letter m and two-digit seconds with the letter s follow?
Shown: 9h06m36s
